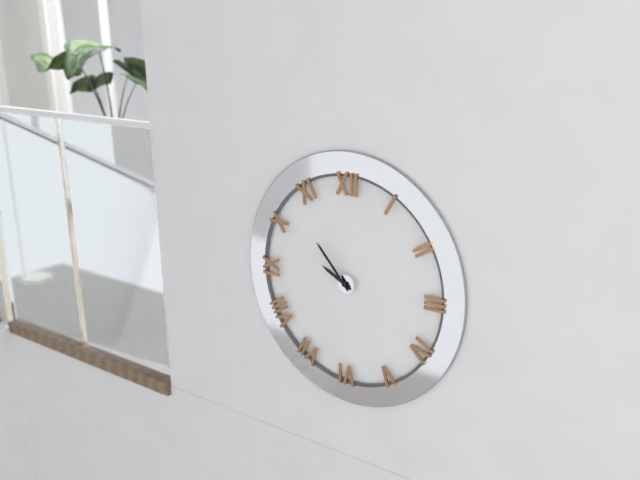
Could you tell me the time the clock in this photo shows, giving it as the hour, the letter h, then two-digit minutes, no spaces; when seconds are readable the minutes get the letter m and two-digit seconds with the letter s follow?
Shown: 9h53
